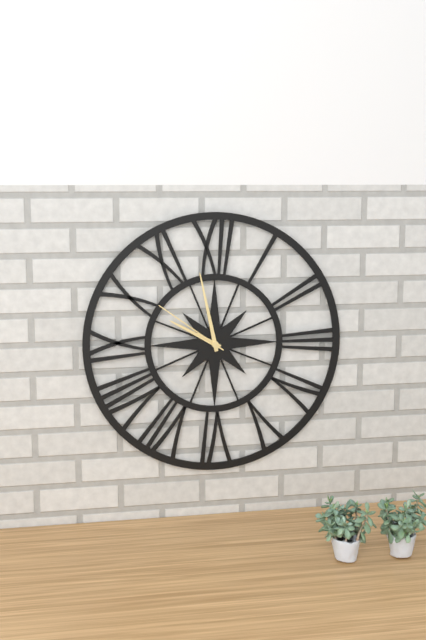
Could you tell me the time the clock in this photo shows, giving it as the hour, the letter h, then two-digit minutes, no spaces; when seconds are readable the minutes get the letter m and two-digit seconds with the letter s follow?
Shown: 9h58m51s
